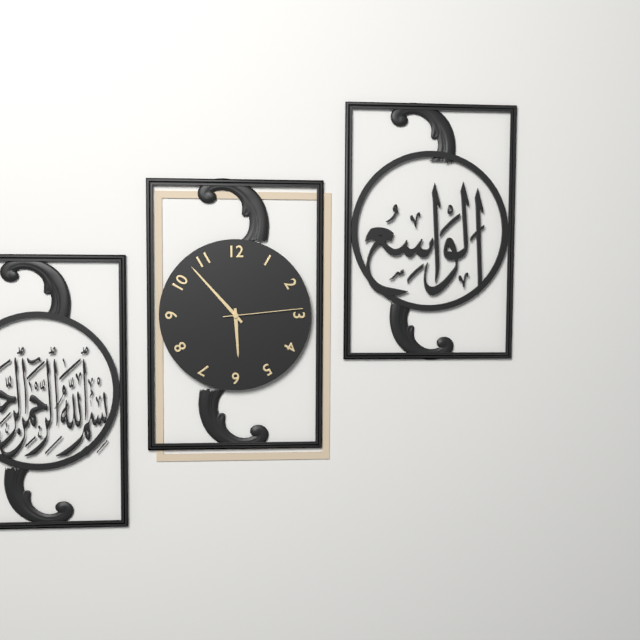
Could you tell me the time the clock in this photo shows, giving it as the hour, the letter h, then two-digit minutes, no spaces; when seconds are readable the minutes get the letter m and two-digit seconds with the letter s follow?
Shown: 5h53m14s
